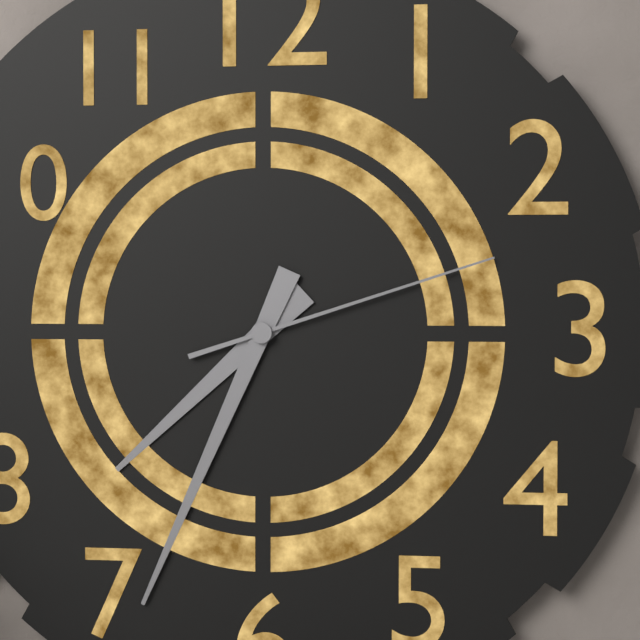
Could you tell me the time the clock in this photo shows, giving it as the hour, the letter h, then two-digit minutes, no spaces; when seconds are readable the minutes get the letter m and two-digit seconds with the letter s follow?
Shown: 7h34m12s
